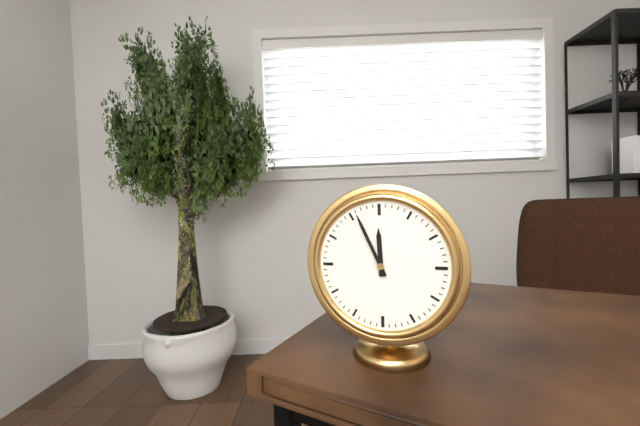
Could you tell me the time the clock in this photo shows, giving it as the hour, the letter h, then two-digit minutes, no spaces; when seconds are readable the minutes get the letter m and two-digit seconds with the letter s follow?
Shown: 11h56
